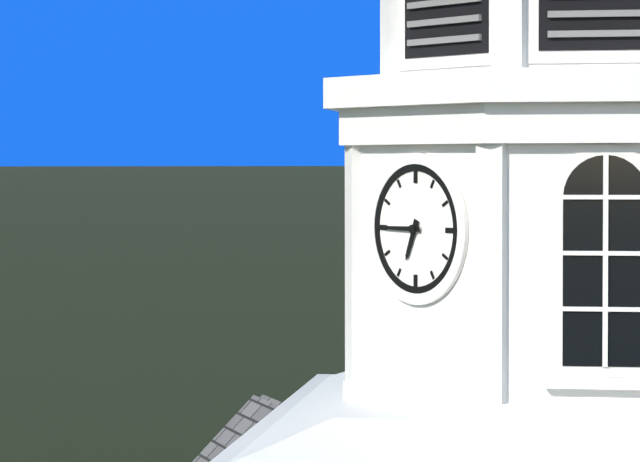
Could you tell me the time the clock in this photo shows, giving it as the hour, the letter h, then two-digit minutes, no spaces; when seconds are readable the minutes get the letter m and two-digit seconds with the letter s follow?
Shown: 6h45
